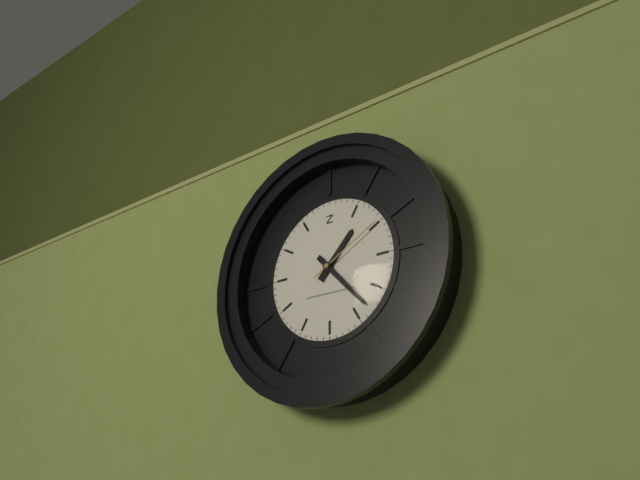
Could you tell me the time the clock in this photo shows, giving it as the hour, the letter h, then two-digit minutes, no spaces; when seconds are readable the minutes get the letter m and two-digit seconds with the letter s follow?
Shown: 1h23m10s
